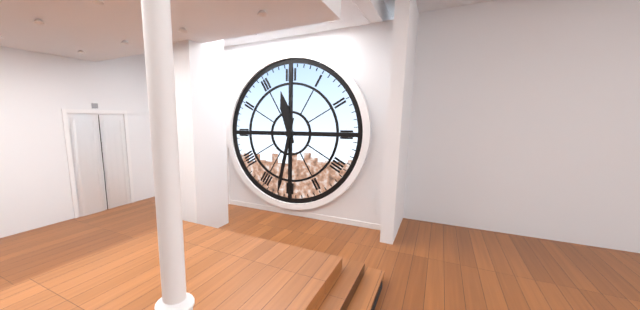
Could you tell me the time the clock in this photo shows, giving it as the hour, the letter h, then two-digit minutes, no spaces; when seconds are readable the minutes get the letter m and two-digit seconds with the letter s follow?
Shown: 11h32
